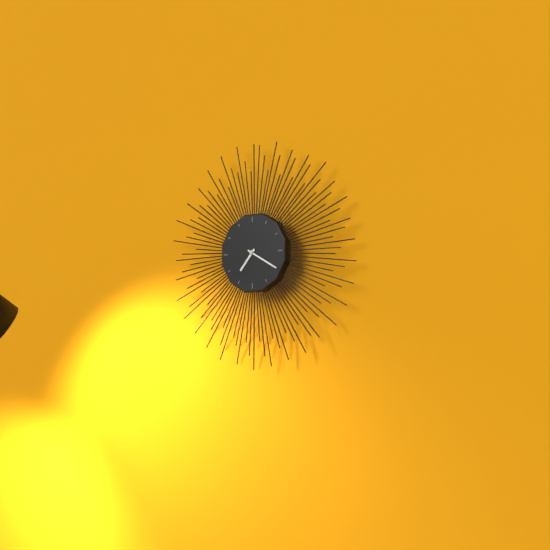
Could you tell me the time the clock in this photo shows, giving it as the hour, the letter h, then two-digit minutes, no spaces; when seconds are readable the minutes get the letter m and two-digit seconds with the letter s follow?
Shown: 7h20
